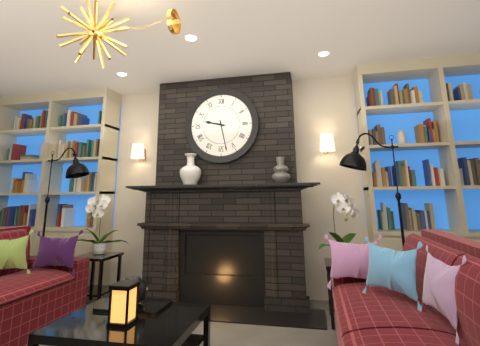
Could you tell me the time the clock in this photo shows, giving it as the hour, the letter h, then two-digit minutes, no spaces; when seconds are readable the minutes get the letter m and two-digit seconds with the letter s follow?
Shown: 9h28
